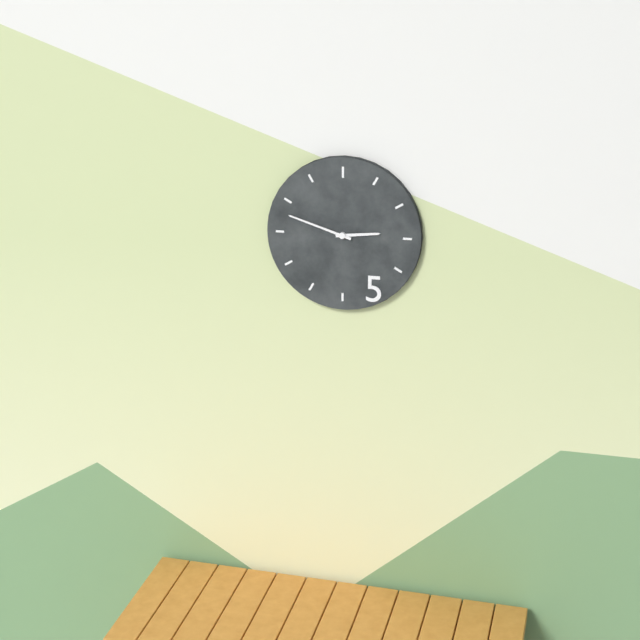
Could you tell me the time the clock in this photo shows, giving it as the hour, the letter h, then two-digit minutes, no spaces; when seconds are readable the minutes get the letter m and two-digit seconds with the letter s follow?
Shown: 2h48
